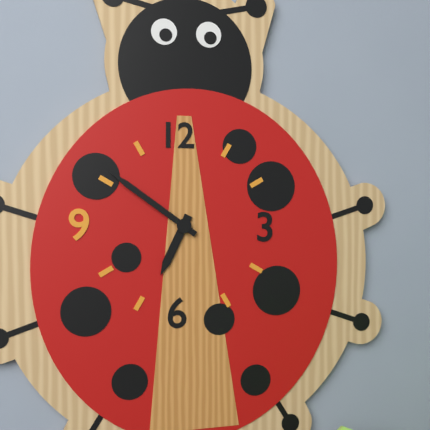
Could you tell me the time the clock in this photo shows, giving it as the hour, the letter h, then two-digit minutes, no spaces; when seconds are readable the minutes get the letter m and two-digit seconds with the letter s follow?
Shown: 6h51
